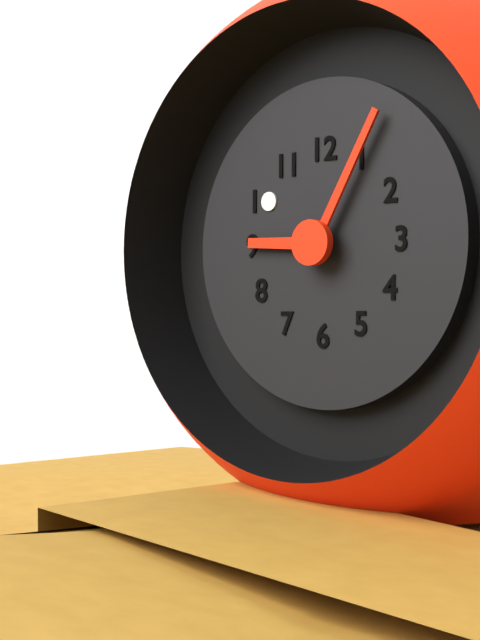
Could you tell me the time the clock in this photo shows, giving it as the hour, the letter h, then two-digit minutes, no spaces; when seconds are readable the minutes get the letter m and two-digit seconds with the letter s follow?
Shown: 9h05
